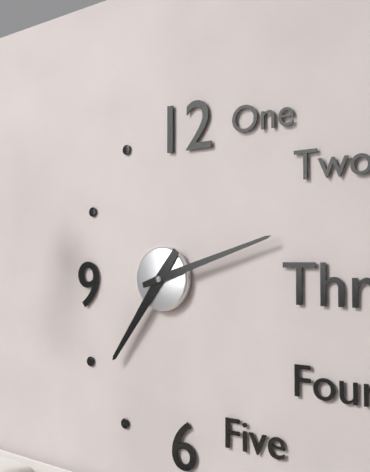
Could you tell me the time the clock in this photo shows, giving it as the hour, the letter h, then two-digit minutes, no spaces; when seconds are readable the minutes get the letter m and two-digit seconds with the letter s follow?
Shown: 7h12
